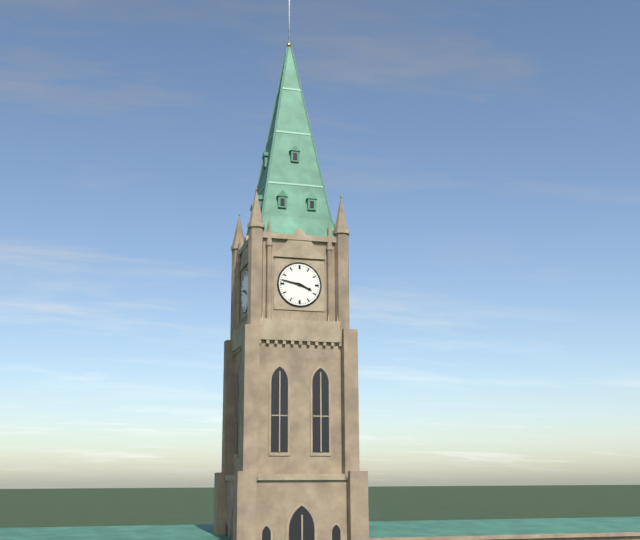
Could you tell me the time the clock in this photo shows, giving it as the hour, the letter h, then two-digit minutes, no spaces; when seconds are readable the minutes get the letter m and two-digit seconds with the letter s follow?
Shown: 3h47
